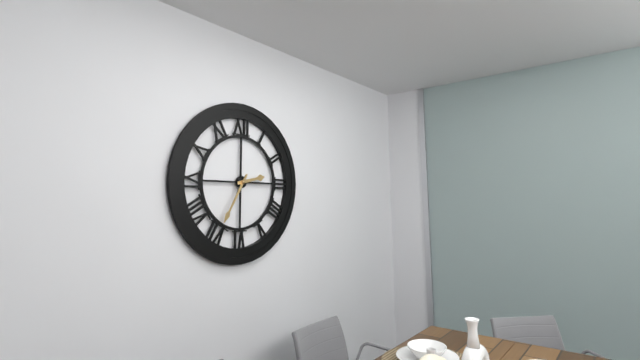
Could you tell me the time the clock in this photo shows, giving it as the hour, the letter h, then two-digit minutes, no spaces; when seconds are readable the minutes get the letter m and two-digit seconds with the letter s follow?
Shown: 2h35
